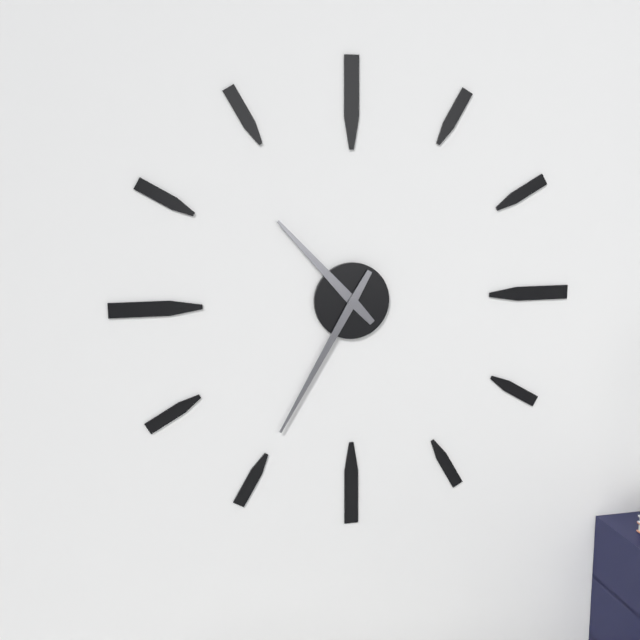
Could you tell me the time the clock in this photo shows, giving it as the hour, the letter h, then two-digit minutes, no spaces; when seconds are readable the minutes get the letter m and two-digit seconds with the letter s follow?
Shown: 10h35
